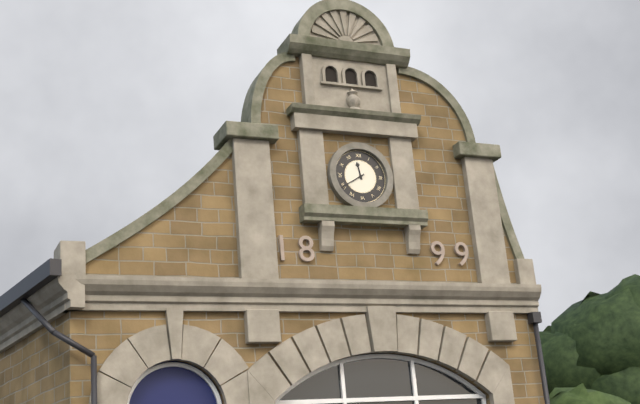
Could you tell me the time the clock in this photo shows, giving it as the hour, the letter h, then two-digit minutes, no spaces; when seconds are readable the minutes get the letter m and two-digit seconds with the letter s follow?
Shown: 11h40
